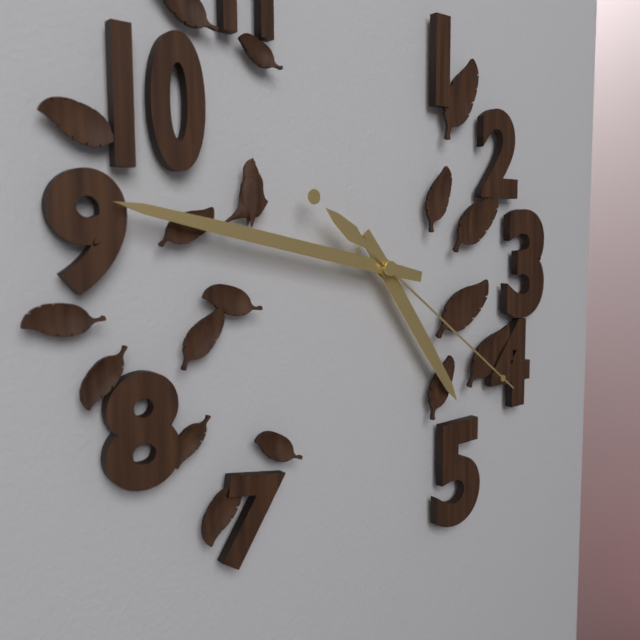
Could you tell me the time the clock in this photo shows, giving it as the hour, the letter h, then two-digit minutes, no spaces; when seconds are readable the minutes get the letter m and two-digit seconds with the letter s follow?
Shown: 4h47m21s
